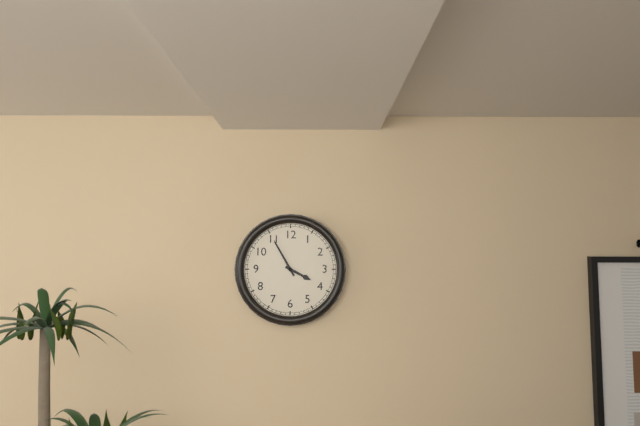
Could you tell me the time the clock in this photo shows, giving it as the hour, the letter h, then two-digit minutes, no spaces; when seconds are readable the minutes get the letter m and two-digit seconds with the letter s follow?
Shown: 3h55
